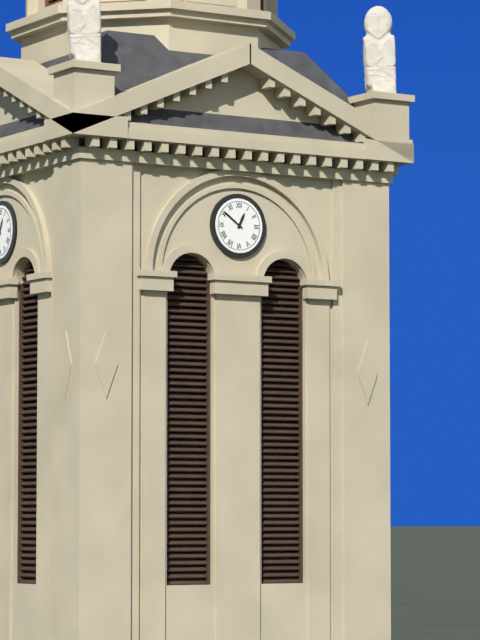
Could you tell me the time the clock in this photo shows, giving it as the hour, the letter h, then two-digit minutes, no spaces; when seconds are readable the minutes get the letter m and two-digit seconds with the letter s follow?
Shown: 12h51
